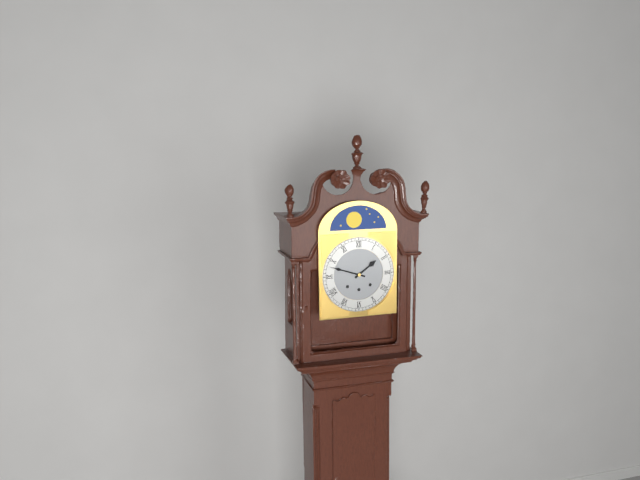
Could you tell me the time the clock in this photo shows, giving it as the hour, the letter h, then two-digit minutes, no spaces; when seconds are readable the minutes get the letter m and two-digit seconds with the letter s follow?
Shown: 1h48
